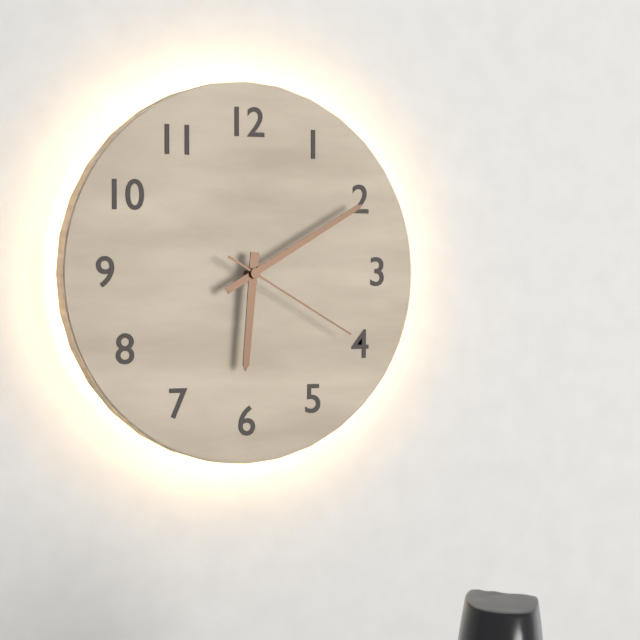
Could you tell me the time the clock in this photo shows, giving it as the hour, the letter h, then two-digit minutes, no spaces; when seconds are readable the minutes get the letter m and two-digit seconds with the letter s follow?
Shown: 6h10m20s
